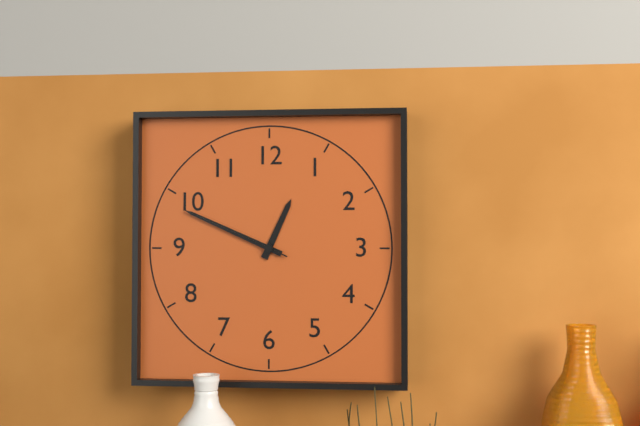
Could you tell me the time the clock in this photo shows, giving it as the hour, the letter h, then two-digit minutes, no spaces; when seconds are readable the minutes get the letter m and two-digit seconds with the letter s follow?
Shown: 12h49m49s
